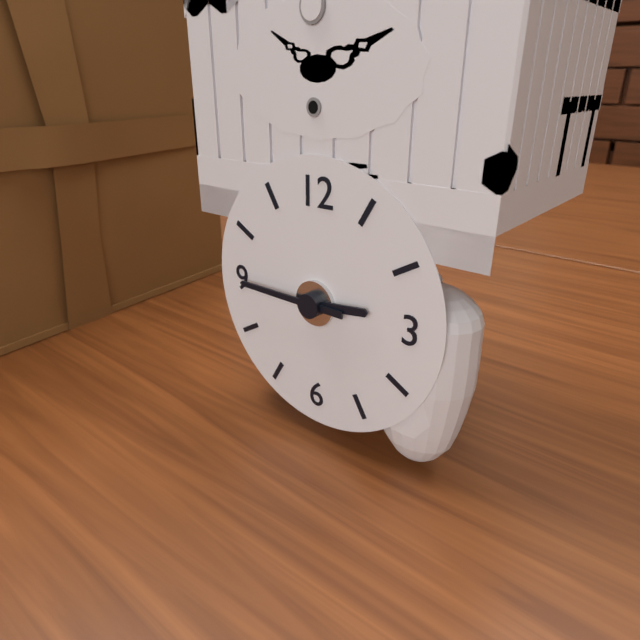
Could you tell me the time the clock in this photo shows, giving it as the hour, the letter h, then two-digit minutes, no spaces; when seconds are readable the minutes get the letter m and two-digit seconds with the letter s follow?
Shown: 2h45
